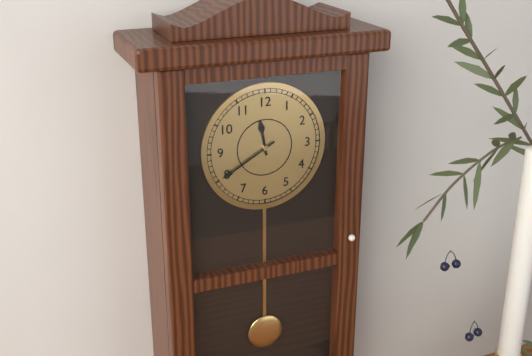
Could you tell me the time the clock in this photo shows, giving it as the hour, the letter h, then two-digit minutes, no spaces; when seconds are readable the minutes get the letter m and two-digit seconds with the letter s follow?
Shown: 11h40
